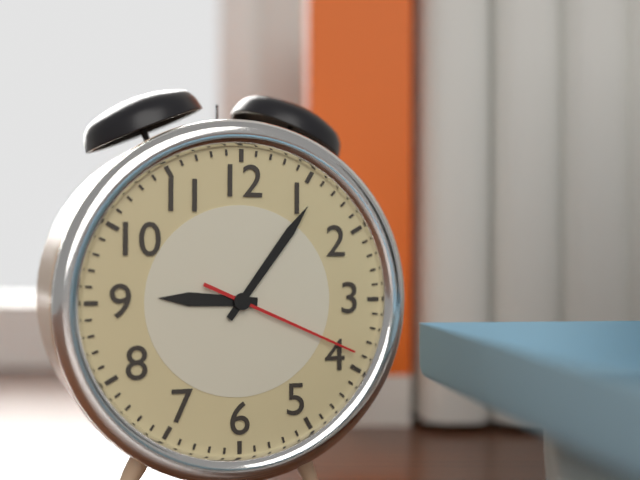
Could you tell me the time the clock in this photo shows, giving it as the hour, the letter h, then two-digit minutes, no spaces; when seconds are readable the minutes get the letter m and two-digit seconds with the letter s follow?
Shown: 9h06m19s
